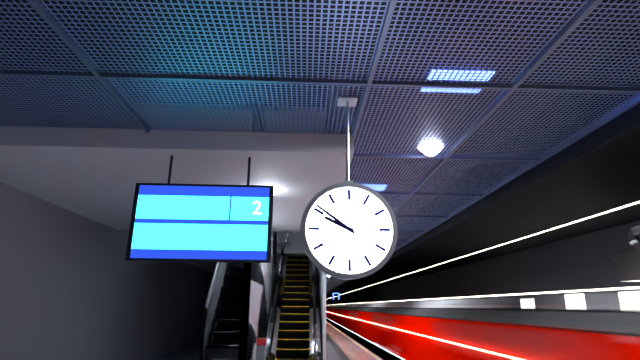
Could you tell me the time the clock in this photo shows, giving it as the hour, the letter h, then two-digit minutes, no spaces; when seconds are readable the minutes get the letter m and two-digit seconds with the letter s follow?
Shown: 9h51
